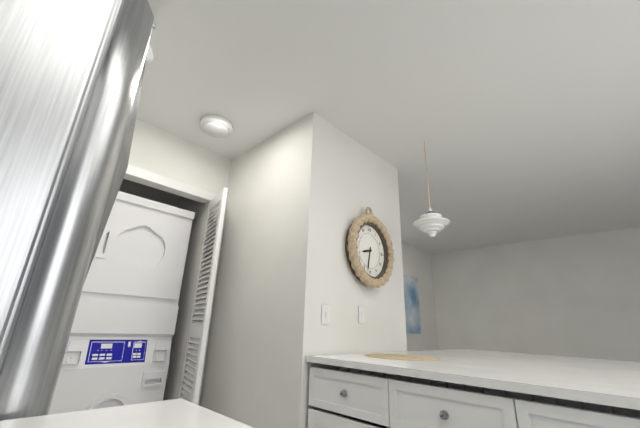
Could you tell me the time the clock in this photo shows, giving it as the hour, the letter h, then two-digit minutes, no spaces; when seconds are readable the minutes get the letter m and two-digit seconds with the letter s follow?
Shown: 8h32
